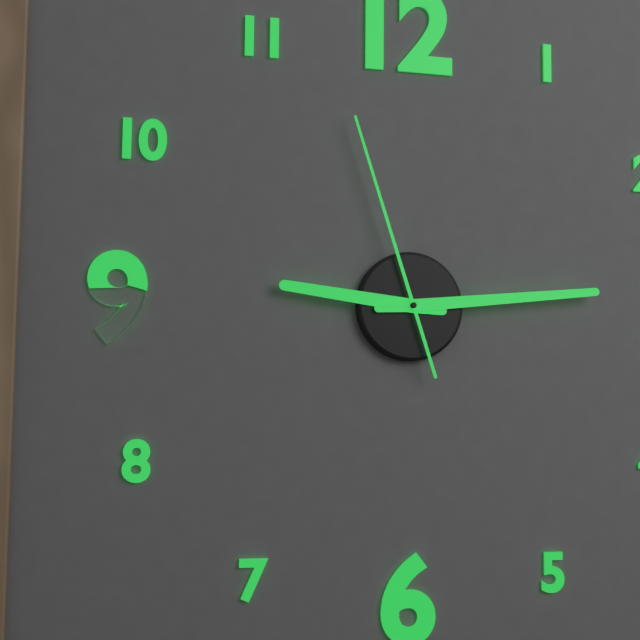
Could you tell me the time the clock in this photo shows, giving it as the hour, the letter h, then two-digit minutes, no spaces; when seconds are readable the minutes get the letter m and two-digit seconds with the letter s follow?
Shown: 9h14m57s
